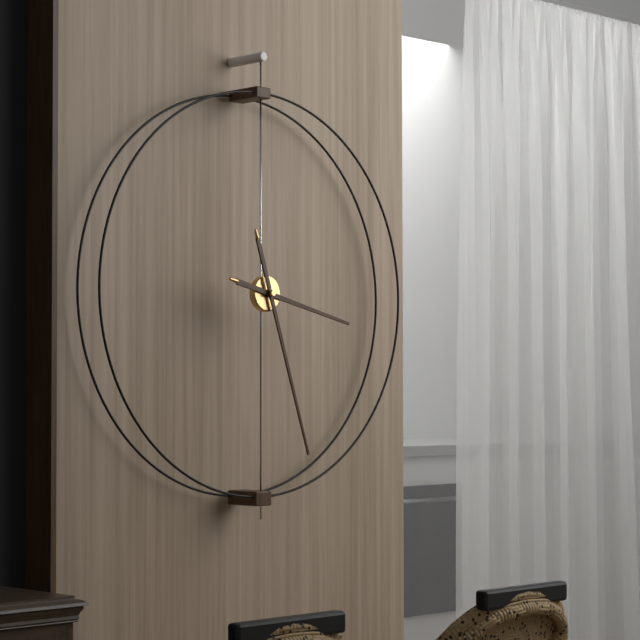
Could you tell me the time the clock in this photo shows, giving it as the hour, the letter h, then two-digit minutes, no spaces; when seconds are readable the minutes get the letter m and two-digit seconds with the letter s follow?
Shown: 3h27
